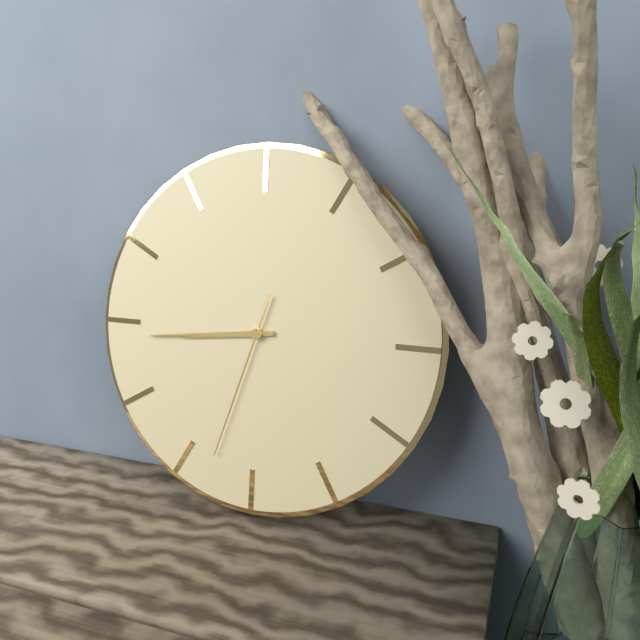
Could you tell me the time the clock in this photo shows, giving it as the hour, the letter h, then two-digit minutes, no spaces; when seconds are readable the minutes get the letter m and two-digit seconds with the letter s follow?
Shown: 8h44m33s
